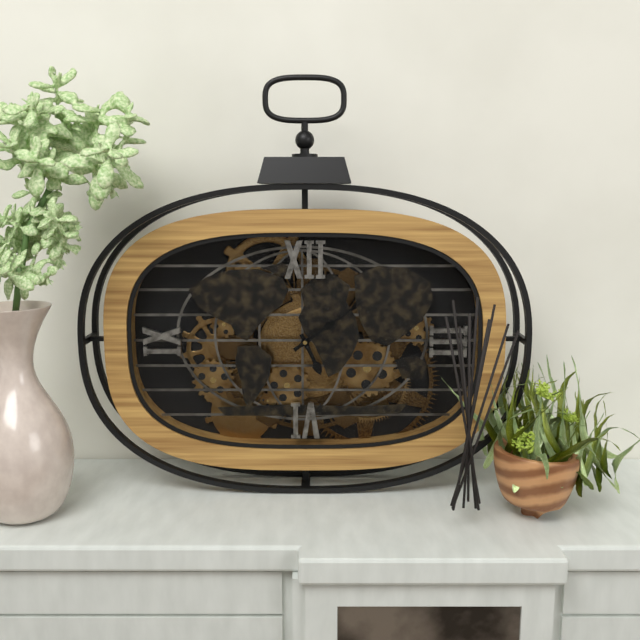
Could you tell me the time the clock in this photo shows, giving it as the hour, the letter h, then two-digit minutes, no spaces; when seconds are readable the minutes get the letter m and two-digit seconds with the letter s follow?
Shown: 5h09
